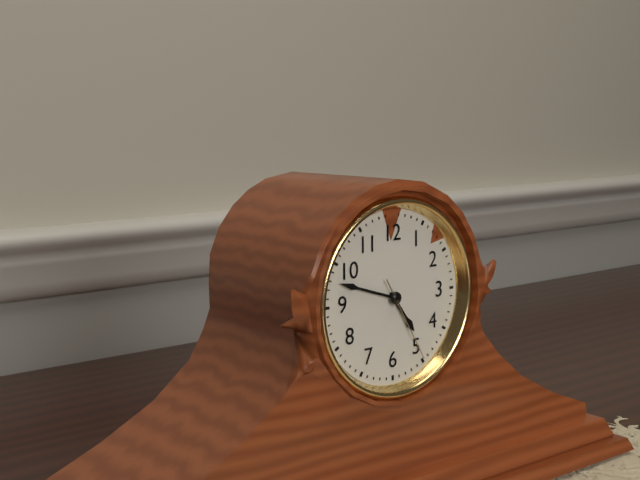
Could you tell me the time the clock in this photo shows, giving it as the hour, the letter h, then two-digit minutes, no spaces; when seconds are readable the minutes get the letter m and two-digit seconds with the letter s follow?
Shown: 4h48m25s
